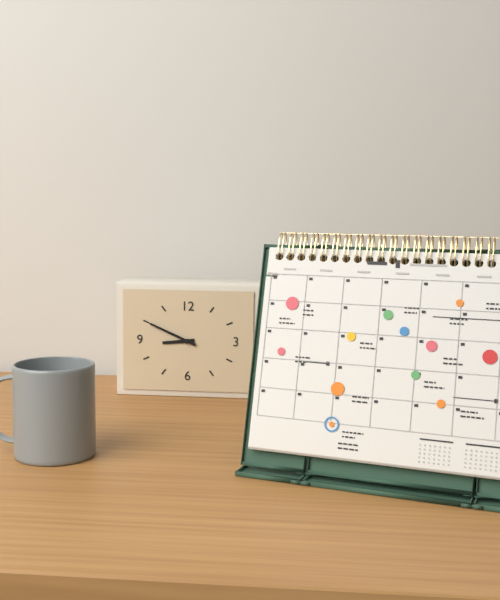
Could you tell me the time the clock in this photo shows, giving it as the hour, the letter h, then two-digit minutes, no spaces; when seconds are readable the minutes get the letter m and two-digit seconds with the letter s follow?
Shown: 8h49
